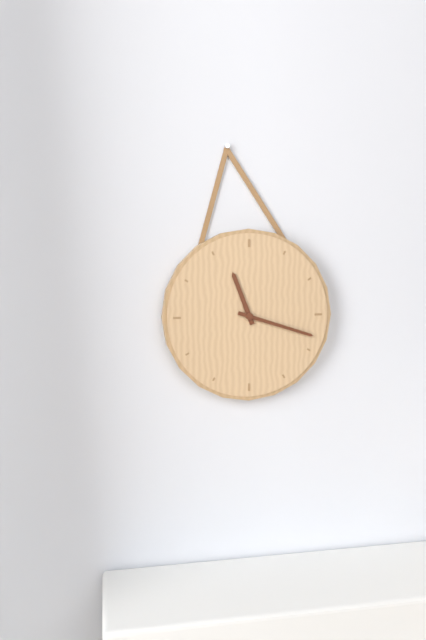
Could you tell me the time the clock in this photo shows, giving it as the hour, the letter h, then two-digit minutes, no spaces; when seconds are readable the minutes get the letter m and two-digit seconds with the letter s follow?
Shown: 11h18
